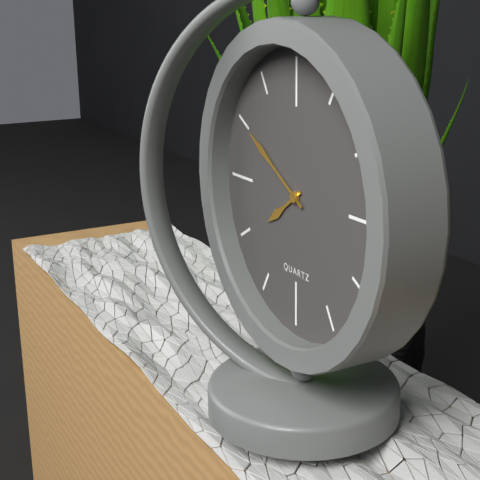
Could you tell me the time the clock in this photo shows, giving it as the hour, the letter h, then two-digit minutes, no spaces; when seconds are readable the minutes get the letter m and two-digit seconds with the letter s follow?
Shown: 7h50
